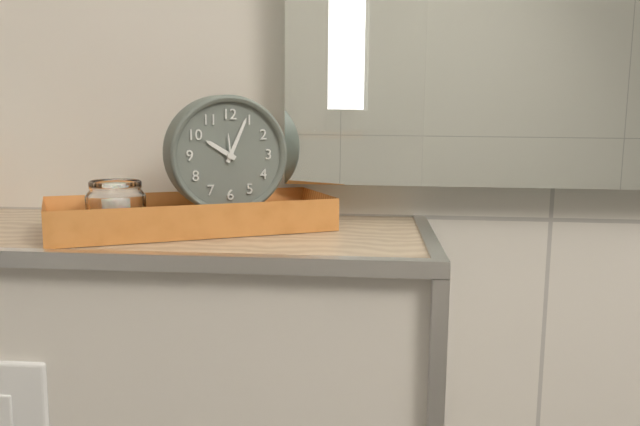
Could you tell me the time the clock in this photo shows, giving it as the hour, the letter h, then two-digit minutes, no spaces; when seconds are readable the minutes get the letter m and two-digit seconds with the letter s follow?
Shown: 10h04
